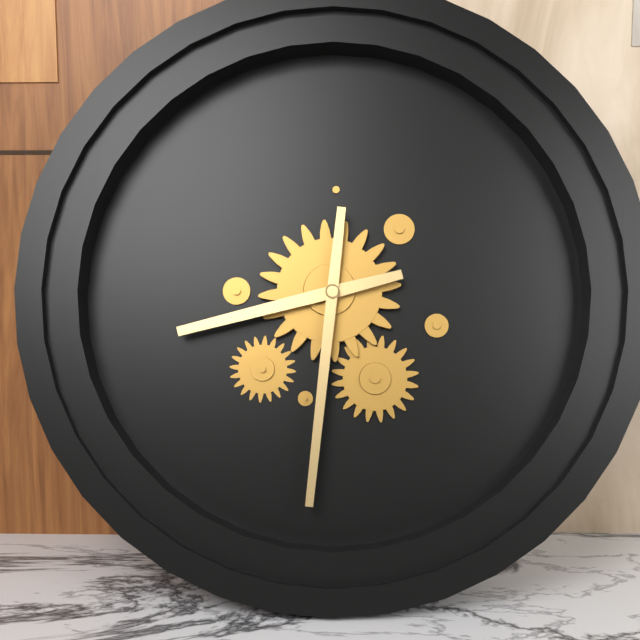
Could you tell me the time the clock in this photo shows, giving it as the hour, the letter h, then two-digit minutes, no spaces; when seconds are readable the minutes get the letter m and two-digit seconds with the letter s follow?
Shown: 8h31
